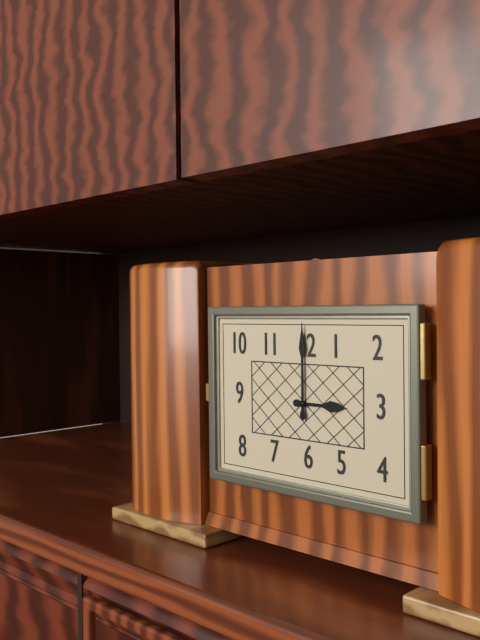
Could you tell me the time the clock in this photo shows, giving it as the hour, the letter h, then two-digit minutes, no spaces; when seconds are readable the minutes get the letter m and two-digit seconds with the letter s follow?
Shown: 3h00
